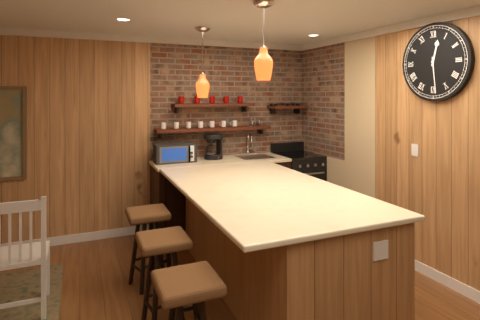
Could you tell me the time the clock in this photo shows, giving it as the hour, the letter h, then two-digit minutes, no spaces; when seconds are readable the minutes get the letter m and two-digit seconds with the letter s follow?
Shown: 12h29
